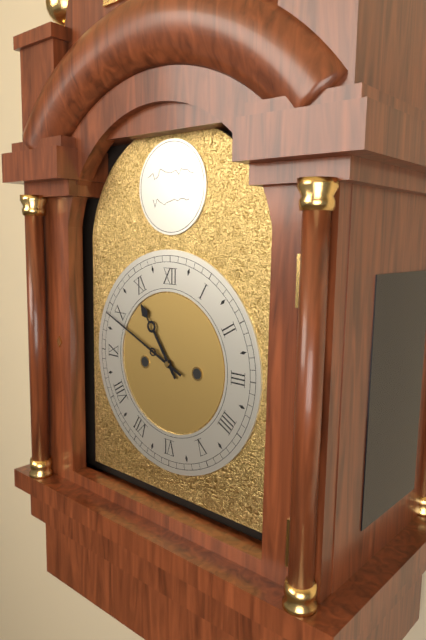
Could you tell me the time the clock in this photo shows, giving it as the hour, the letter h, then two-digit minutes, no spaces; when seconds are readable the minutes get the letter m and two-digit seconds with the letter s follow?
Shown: 10h49
